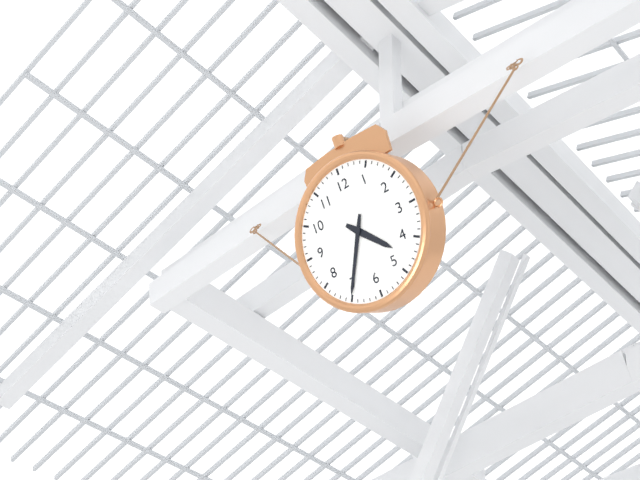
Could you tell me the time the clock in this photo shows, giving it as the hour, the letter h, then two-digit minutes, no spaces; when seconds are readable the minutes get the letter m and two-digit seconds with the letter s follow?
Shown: 4h35
